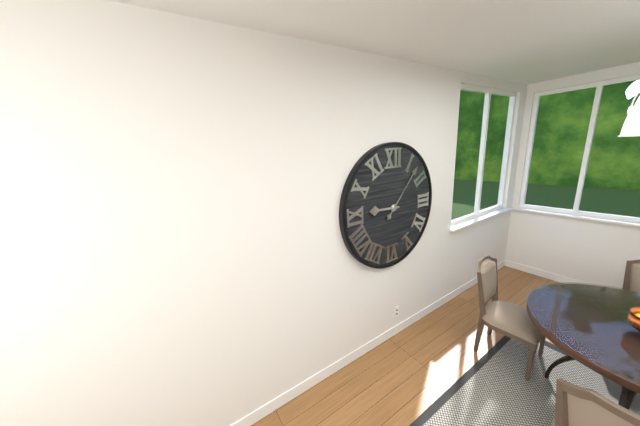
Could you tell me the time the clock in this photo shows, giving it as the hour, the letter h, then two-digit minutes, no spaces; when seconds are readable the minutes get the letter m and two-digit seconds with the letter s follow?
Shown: 9h07
